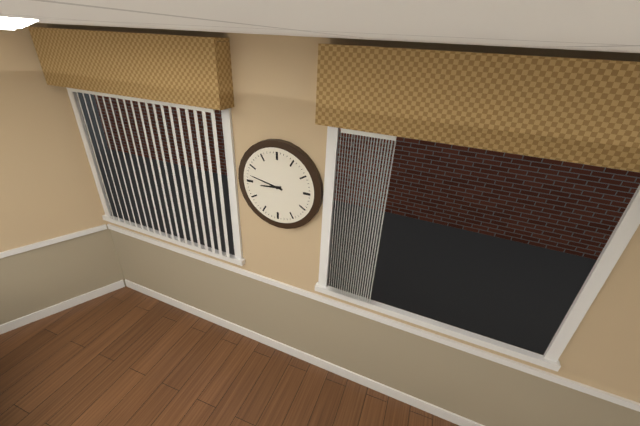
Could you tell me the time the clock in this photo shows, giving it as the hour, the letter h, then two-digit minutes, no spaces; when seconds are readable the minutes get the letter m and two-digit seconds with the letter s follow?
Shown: 8h47
